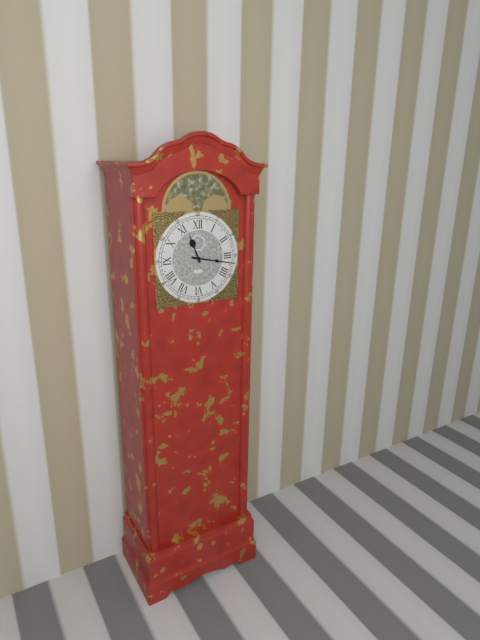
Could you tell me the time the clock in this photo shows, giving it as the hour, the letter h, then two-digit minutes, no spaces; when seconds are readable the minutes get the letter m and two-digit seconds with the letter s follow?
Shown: 11h17
